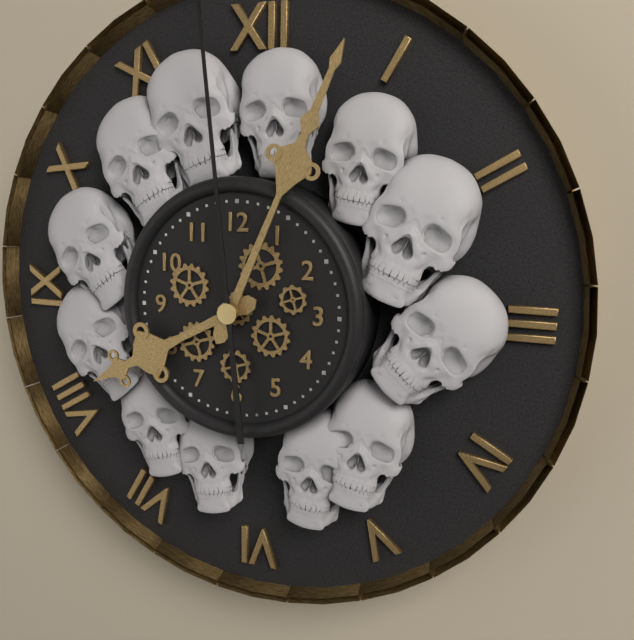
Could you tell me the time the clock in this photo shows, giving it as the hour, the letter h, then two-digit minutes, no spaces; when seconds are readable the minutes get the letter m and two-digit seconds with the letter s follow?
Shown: 8h04
